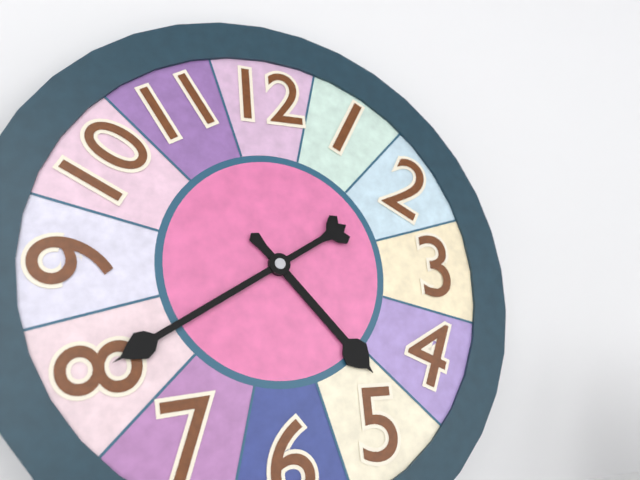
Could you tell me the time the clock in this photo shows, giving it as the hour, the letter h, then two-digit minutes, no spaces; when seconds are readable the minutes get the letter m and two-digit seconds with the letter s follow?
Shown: 4h40
